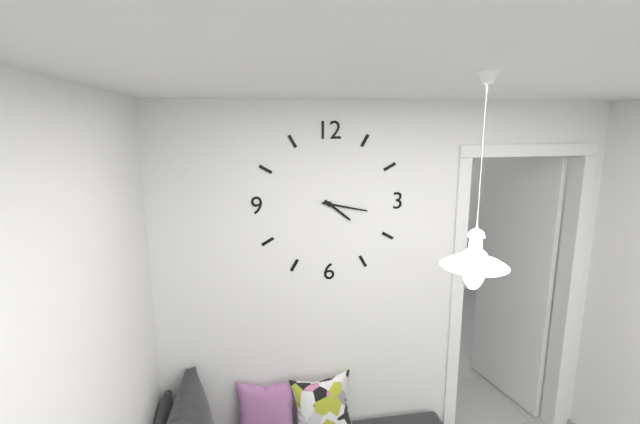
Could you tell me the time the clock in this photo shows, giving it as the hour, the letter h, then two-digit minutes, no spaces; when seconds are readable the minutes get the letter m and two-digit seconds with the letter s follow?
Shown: 4h17
